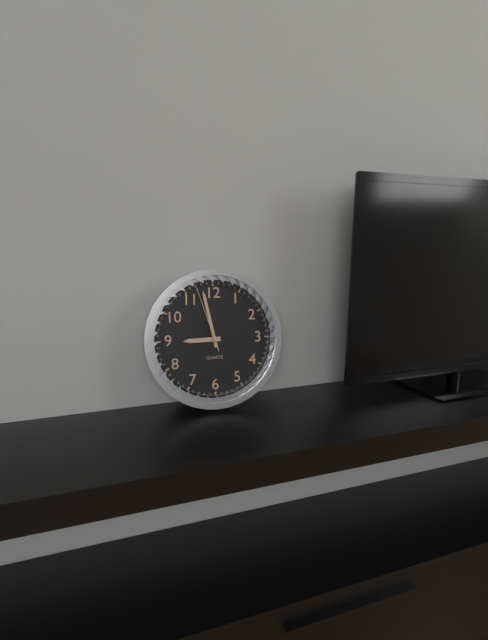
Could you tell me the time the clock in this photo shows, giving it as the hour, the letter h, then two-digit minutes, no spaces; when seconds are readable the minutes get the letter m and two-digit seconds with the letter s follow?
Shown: 8h58m57s
